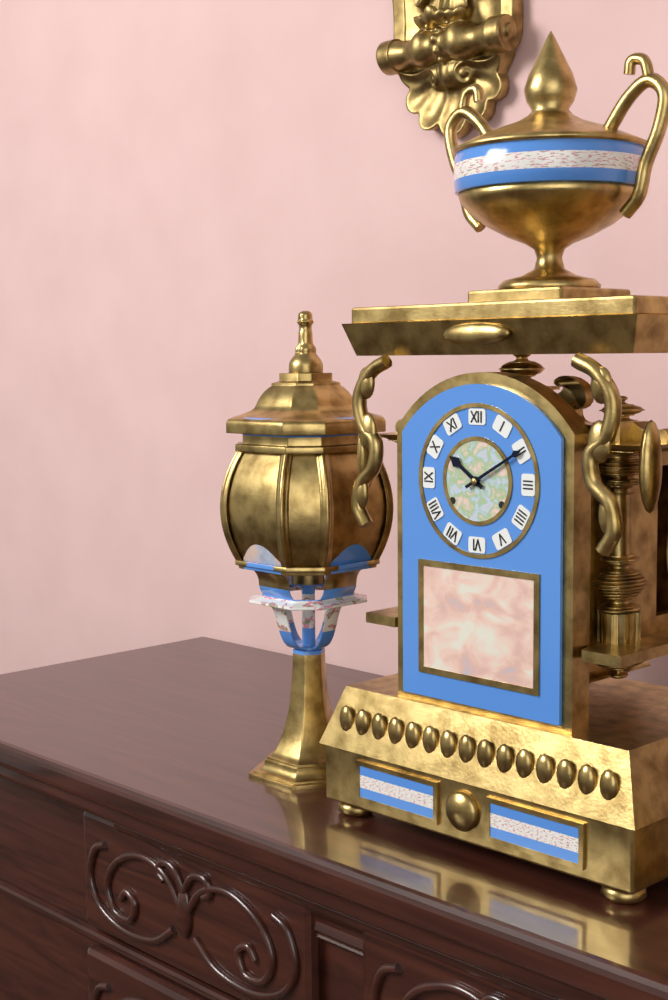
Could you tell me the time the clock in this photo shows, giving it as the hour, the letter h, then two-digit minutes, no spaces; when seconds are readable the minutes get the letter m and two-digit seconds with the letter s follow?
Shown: 10h10
